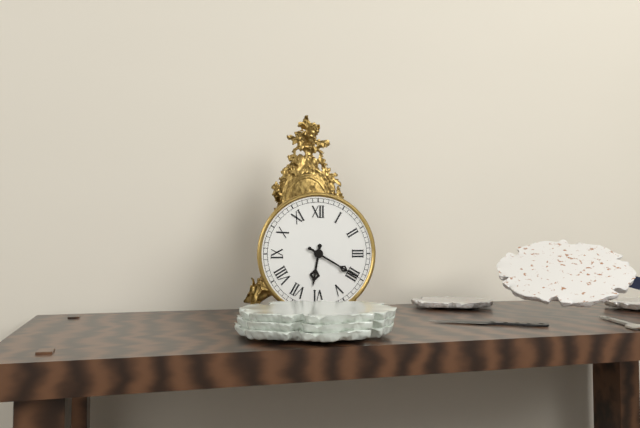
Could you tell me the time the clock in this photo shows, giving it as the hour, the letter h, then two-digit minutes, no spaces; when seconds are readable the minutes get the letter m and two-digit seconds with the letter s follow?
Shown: 6h20
